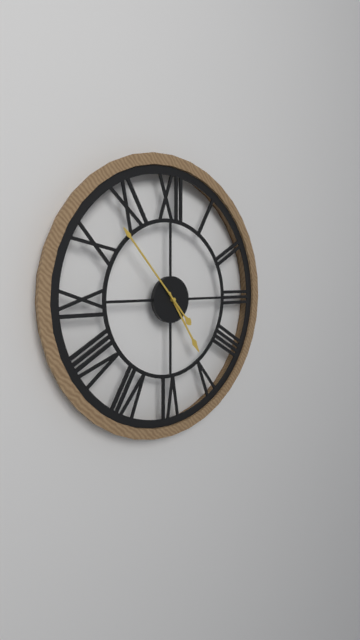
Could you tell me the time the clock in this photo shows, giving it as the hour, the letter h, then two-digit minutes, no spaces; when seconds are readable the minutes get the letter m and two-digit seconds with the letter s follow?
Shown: 4h53
